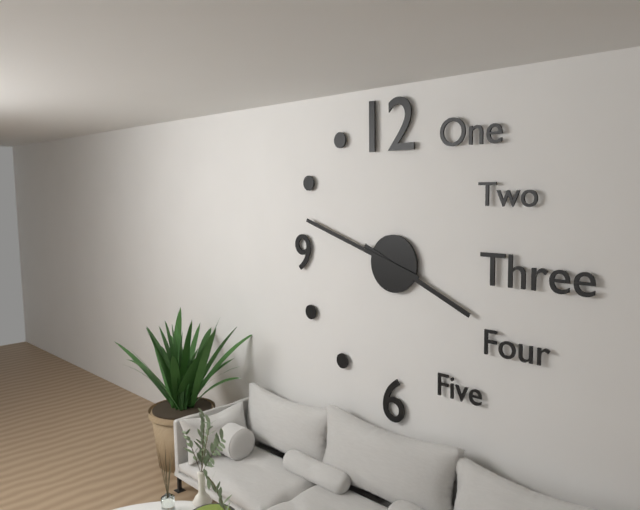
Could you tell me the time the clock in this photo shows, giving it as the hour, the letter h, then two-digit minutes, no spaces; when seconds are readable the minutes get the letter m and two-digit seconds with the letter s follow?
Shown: 3h48
